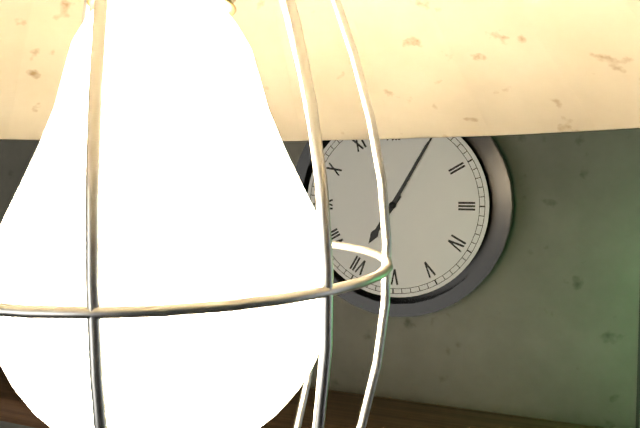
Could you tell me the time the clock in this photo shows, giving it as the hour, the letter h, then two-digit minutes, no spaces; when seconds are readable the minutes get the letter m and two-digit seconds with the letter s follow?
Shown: 7h05
